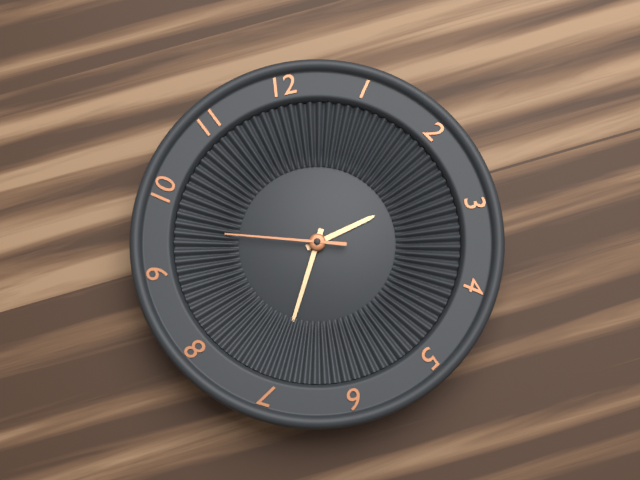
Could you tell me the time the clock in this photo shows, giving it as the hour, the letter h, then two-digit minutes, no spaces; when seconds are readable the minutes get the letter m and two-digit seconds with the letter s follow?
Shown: 2h35m48s
